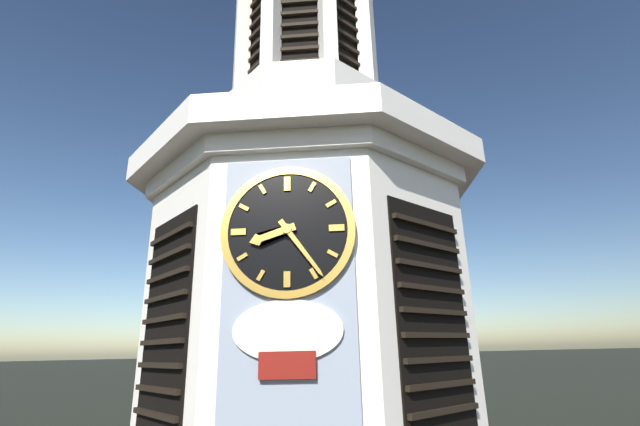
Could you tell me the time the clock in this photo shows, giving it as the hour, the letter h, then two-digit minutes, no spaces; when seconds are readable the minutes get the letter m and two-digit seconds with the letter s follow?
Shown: 8h24
